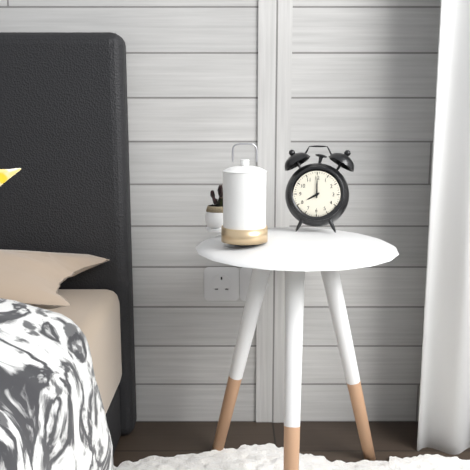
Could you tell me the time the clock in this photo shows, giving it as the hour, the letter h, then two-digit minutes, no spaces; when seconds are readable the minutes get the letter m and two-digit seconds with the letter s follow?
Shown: 8h00
